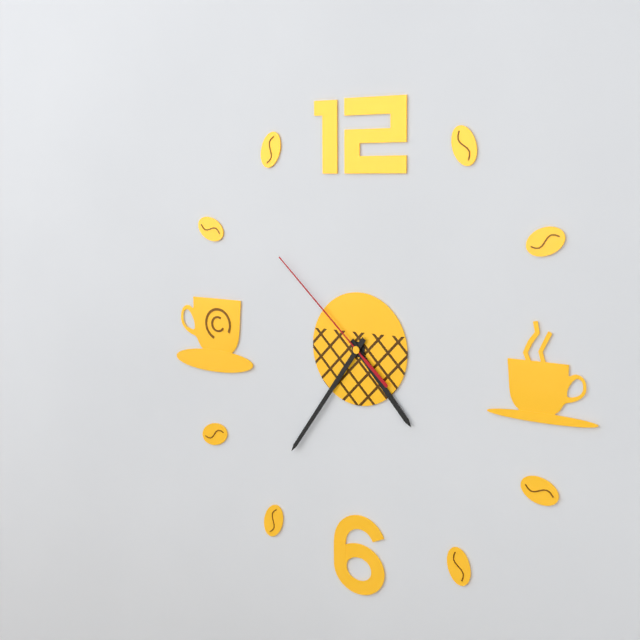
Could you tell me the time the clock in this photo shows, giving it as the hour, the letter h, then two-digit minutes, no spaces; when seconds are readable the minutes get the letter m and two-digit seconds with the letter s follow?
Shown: 4h36m52s
